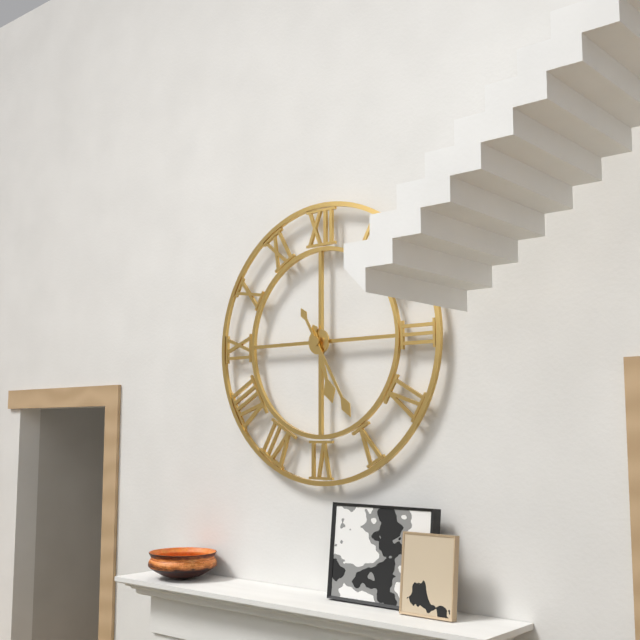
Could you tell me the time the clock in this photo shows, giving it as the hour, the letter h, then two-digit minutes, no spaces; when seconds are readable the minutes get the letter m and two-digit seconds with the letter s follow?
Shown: 5h25
